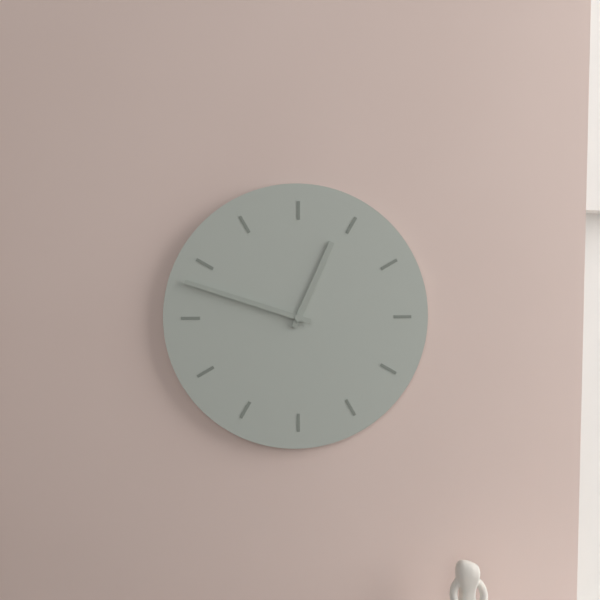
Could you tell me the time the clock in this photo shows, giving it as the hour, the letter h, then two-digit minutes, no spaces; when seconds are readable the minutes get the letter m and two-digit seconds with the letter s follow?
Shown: 12h48
